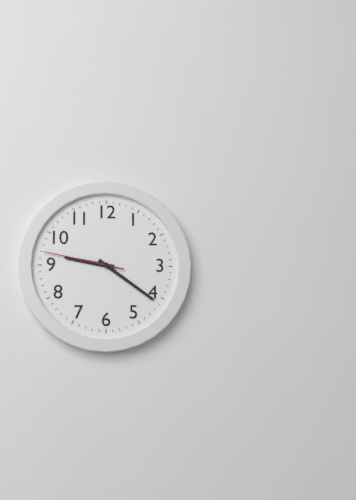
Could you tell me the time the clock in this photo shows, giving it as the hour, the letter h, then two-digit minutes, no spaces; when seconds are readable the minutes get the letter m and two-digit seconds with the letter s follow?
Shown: 9h21m47s
